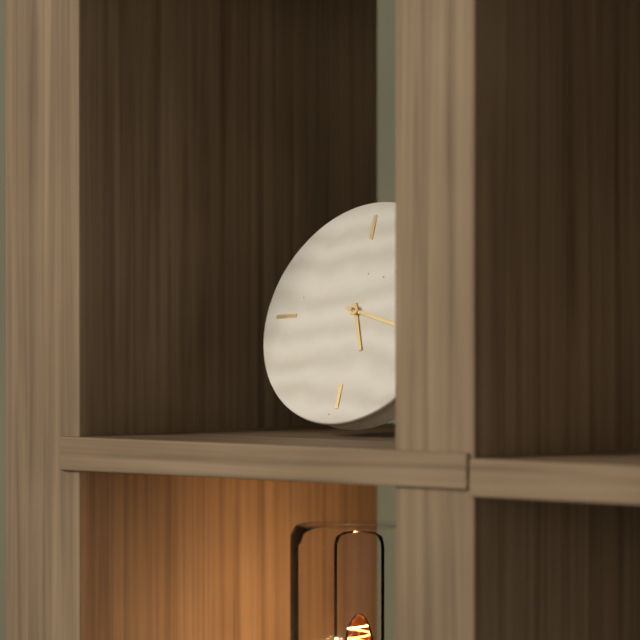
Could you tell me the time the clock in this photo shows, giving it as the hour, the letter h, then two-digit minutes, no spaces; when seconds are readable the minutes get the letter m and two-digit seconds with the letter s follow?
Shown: 5h18
